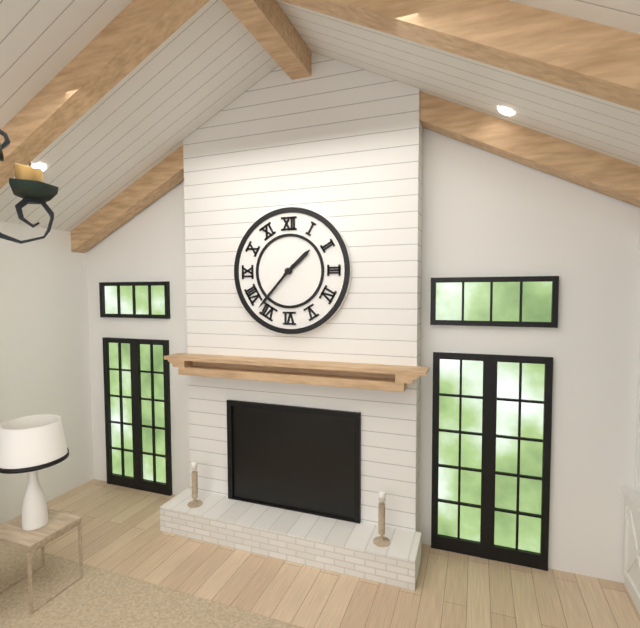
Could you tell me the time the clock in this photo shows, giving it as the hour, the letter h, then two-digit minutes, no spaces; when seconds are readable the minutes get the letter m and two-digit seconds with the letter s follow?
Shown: 1h37
